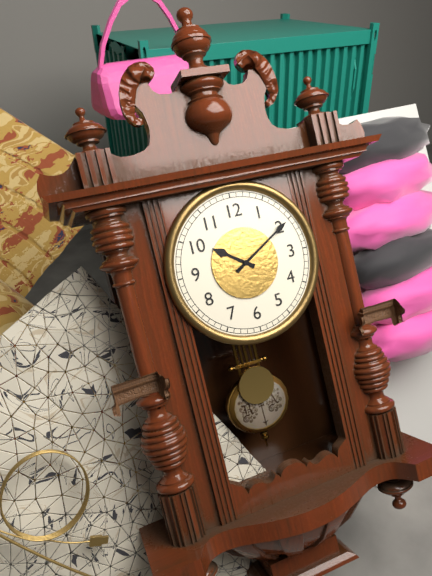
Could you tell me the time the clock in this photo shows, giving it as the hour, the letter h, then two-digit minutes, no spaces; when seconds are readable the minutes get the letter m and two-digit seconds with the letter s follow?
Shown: 10h10
